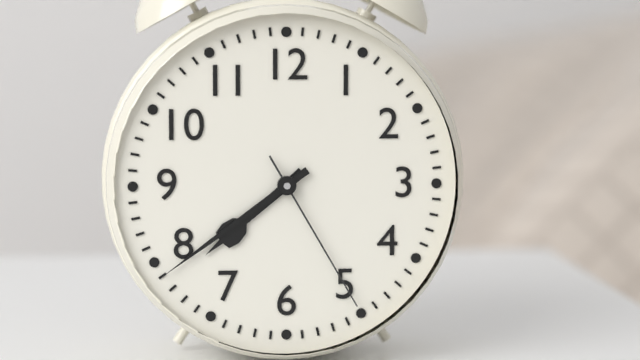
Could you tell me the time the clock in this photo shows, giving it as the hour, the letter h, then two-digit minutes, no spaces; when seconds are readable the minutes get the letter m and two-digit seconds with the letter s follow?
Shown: 7h39m25s
